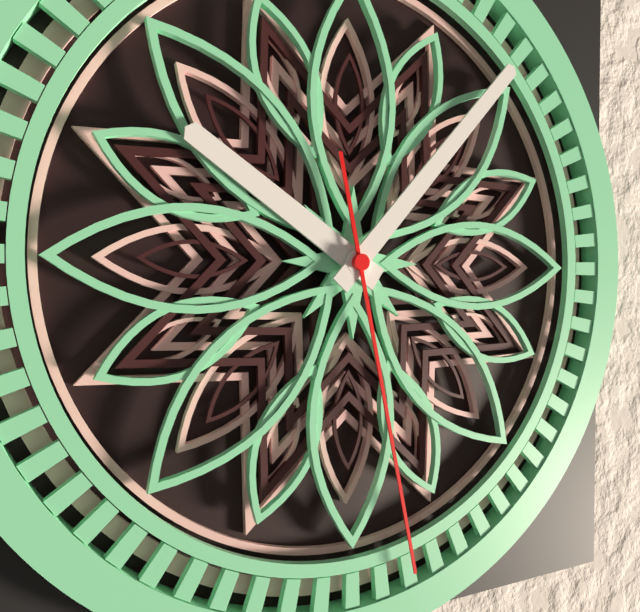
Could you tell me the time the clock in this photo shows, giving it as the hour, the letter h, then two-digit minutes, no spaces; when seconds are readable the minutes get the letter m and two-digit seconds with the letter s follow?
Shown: 10h07m28s
